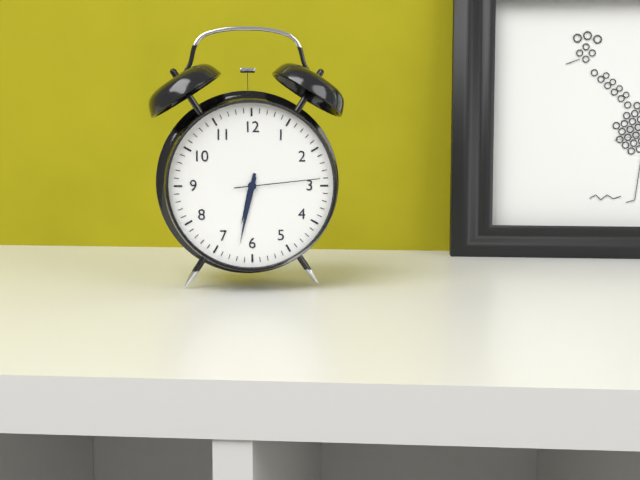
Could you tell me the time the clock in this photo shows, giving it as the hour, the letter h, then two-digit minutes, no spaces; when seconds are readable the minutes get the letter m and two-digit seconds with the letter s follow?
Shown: 6h32m14s
